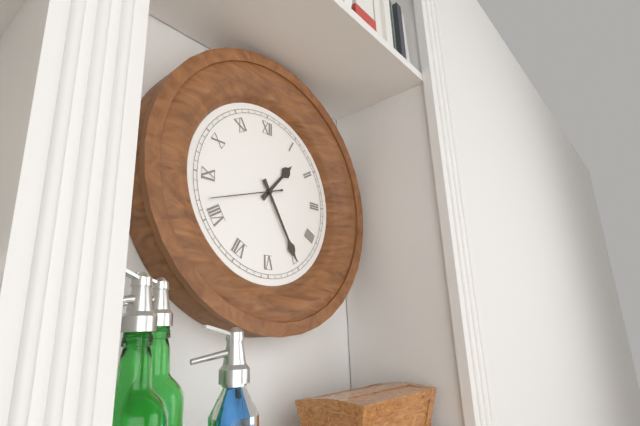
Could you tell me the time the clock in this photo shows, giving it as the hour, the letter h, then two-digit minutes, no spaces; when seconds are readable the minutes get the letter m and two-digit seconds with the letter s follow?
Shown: 1h25m42s
